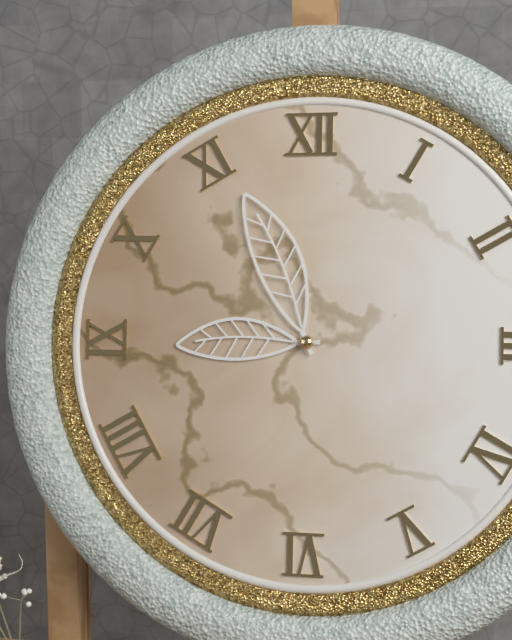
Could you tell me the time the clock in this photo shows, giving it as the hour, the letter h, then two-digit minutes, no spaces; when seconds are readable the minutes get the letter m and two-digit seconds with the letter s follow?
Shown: 8h56
